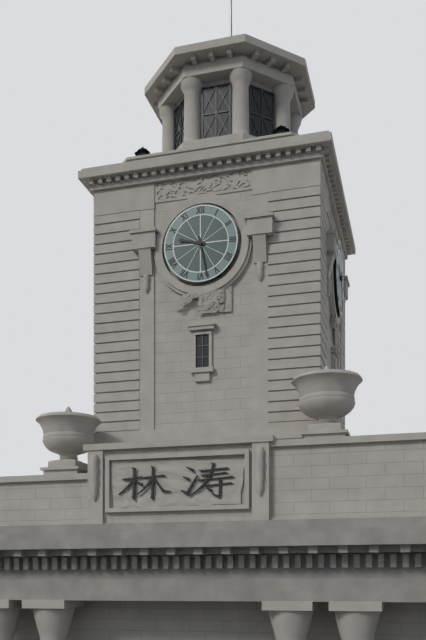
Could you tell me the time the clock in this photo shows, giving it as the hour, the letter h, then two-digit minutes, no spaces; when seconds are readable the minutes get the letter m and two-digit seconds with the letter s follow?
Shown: 9h28
